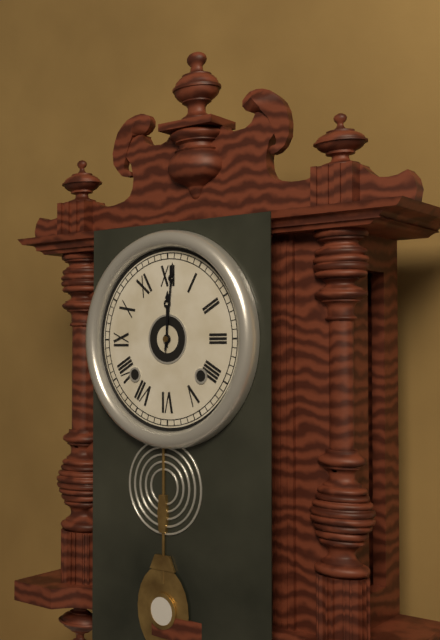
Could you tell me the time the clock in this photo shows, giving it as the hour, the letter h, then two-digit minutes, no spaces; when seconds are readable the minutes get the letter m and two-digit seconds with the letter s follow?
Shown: 12h01
